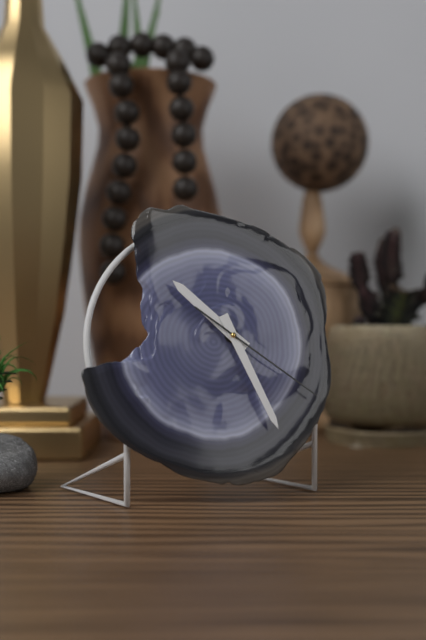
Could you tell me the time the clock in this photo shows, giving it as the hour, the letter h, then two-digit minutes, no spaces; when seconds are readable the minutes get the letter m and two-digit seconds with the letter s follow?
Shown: 10h26m21s
